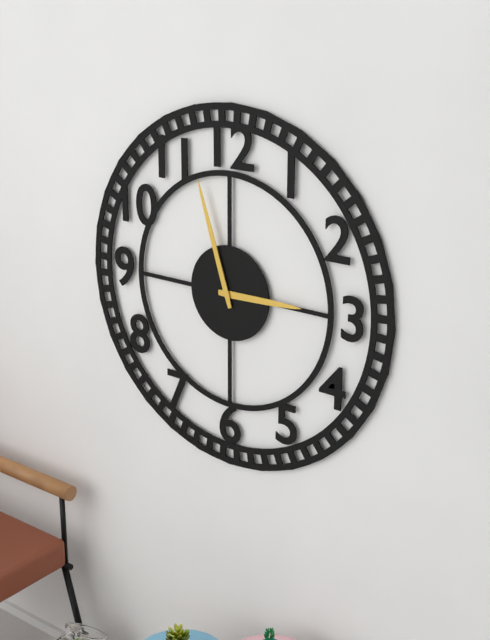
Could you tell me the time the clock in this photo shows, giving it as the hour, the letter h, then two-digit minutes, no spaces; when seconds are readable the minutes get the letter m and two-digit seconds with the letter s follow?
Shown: 2h57
